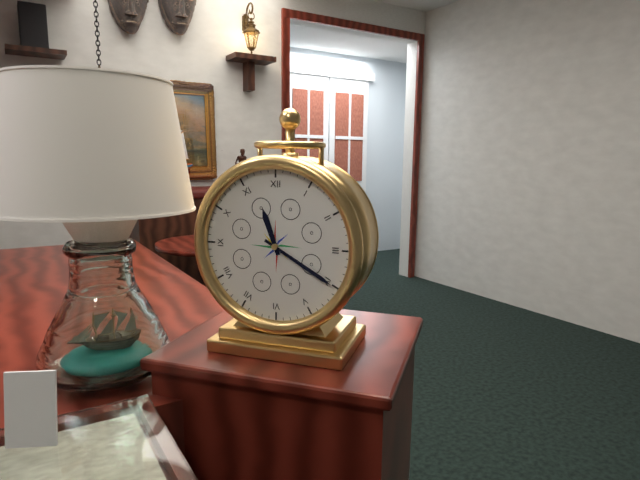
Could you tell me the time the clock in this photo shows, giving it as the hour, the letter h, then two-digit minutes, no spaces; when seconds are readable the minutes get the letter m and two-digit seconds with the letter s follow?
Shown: 11h20
